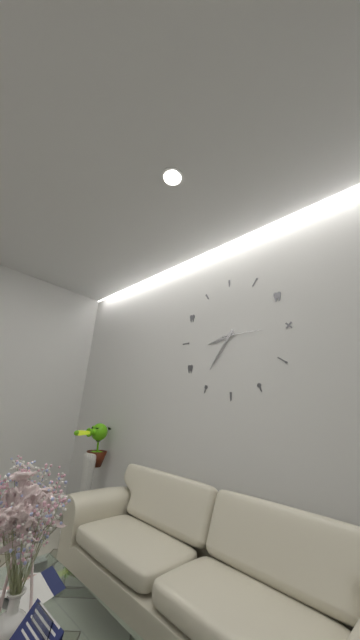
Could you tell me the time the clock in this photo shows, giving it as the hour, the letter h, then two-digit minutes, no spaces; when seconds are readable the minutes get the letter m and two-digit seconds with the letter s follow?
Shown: 8h36
